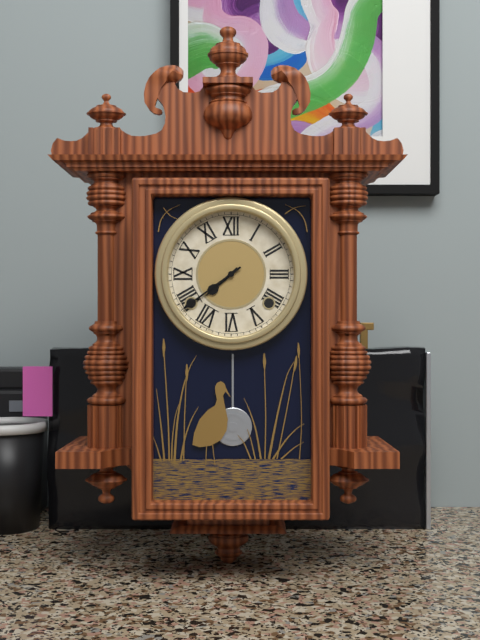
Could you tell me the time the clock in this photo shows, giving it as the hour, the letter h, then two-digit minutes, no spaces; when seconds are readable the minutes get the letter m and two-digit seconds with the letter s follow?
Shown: 7h39
